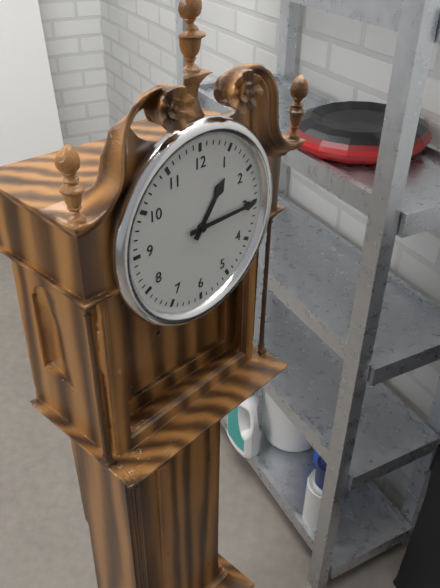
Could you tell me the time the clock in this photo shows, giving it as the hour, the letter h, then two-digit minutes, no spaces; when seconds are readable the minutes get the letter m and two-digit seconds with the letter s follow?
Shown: 1h15
